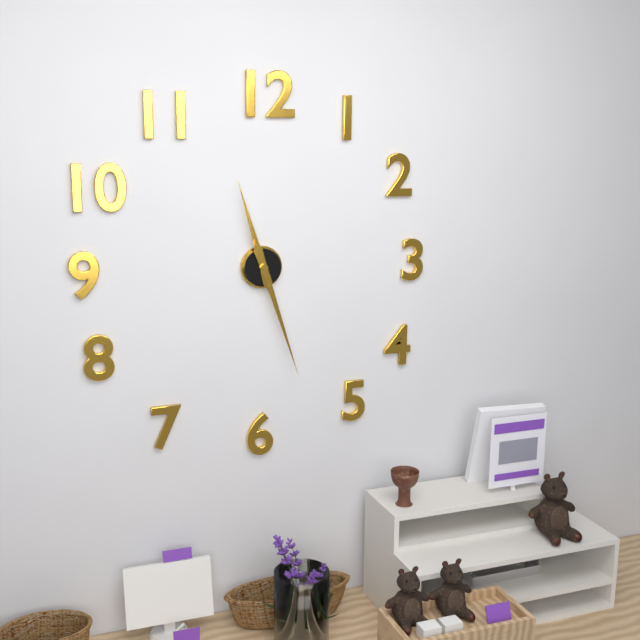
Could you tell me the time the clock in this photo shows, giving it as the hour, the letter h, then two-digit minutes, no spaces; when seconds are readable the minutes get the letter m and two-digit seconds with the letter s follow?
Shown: 11h27
